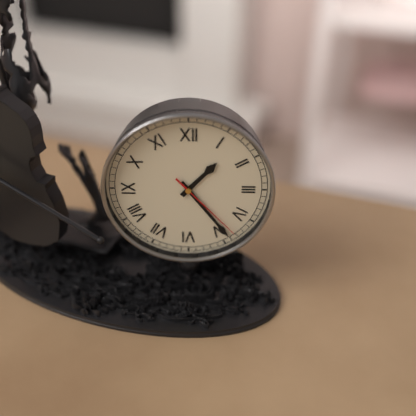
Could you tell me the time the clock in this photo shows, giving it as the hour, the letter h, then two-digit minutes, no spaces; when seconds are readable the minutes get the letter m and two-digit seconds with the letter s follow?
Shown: 1h24m23s
